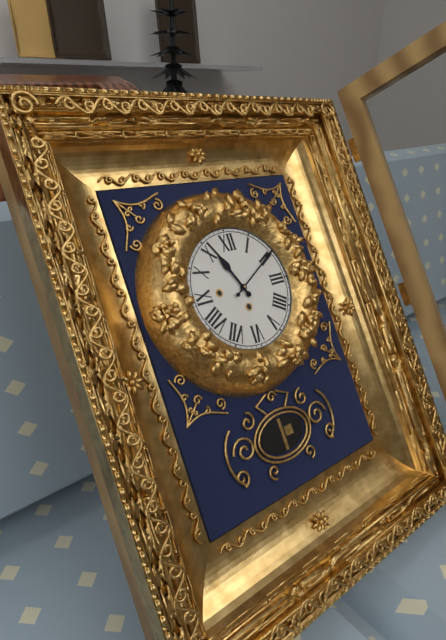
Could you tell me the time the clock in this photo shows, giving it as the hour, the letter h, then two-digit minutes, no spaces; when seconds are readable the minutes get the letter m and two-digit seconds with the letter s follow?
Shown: 11h10
